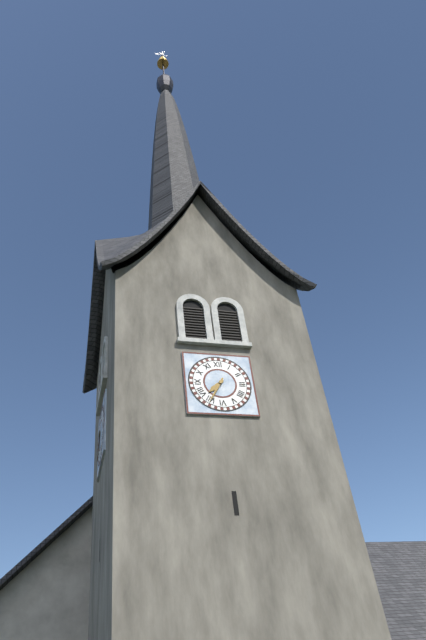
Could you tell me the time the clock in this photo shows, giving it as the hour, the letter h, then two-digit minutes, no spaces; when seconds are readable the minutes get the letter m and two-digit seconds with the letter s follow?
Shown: 7h35
